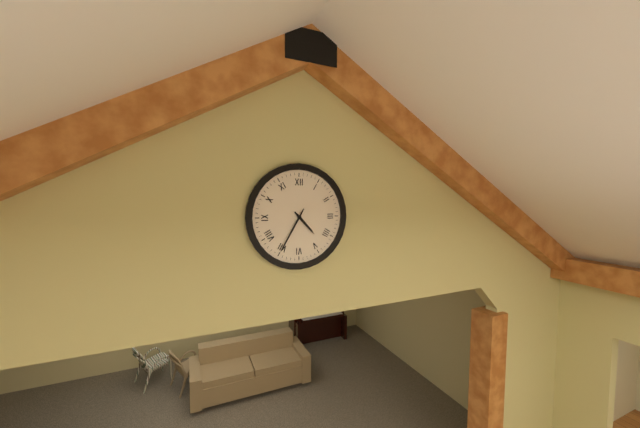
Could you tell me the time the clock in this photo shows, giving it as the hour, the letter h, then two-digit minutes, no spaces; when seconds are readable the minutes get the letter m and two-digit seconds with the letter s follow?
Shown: 4h35
